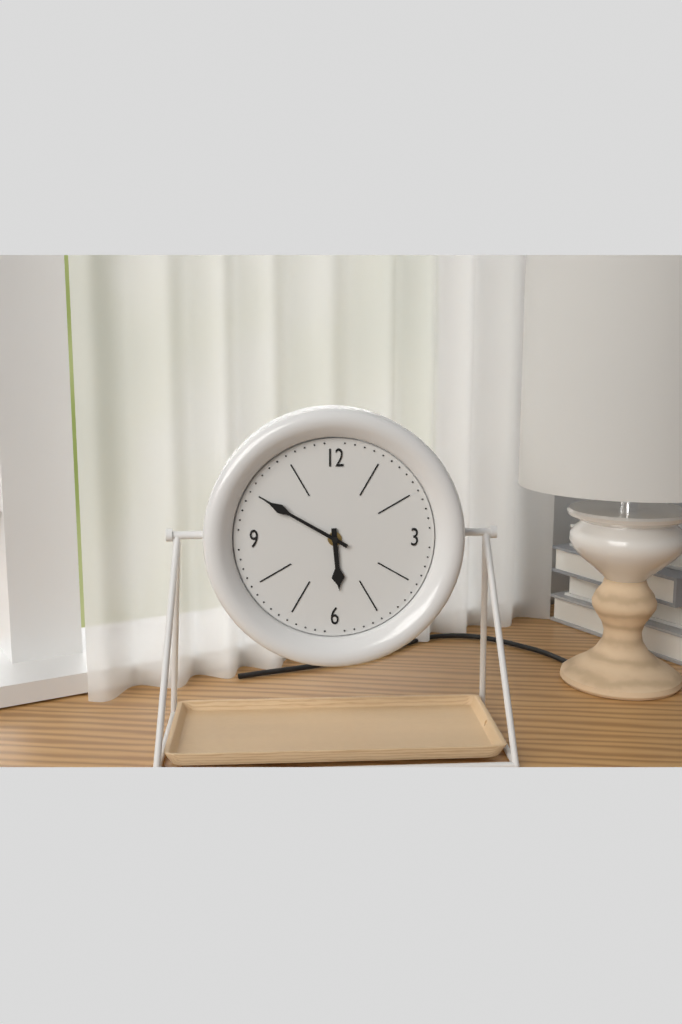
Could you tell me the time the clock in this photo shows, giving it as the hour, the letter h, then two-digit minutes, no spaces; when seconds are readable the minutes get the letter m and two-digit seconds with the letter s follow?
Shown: 5h50
